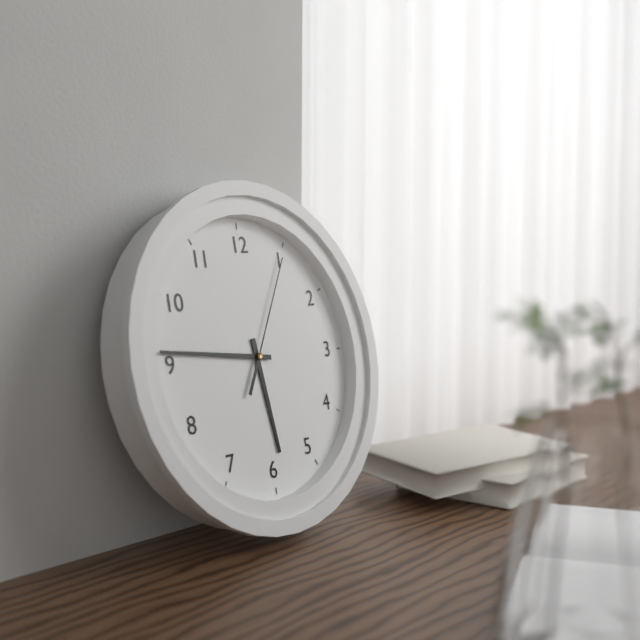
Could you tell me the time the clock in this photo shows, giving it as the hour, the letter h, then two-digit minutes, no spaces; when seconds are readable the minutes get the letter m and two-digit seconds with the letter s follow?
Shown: 5h46m05s
